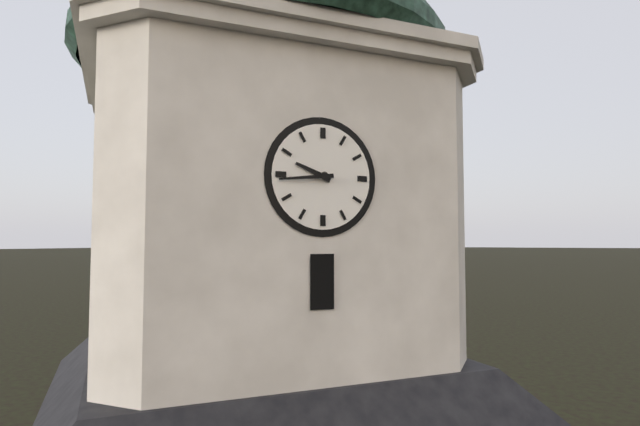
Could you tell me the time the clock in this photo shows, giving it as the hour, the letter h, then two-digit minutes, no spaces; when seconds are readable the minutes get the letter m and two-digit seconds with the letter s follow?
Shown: 9h44
